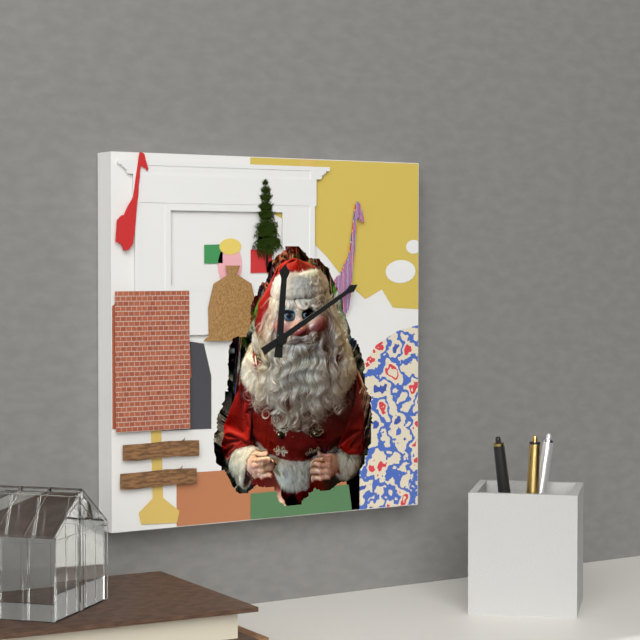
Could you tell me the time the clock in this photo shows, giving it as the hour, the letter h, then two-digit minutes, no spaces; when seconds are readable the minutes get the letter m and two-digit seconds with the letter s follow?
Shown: 12h10
